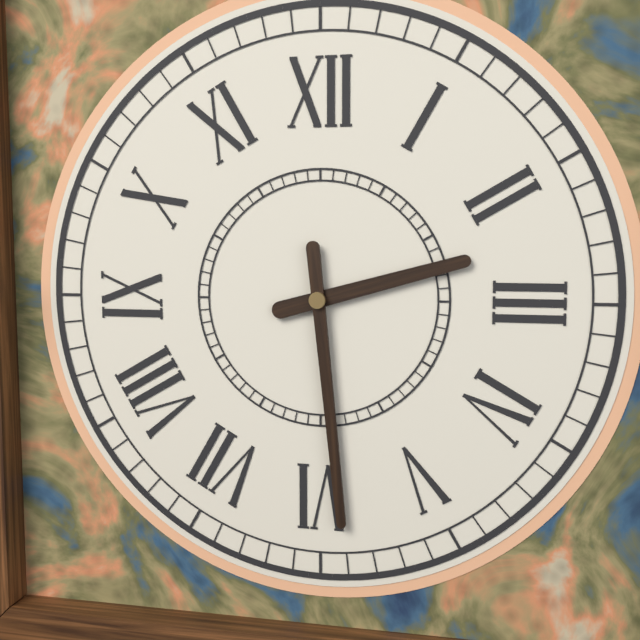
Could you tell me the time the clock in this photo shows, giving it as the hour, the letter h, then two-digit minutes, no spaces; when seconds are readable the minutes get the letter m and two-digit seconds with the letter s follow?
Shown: 2h29
